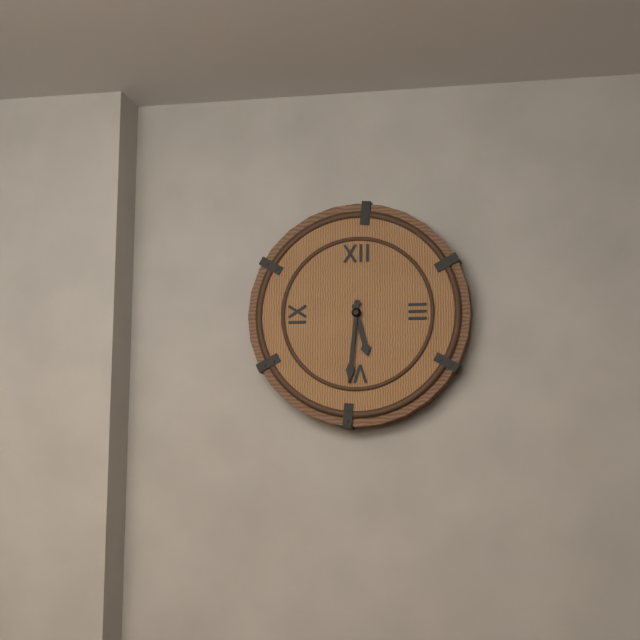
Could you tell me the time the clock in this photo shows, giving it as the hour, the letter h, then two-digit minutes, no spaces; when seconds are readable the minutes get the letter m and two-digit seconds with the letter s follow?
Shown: 5h31
